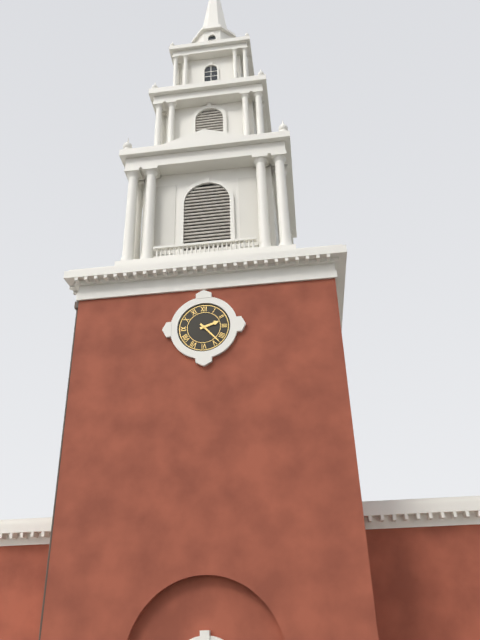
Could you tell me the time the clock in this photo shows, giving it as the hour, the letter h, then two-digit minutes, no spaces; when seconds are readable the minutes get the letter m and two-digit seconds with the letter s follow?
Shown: 2h23
